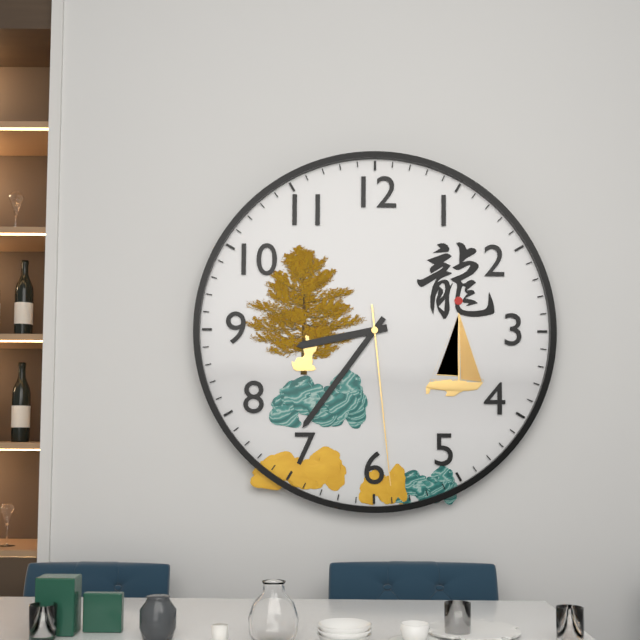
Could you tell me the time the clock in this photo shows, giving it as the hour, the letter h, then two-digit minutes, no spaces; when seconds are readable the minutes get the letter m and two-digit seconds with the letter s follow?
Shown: 8h36m29s
